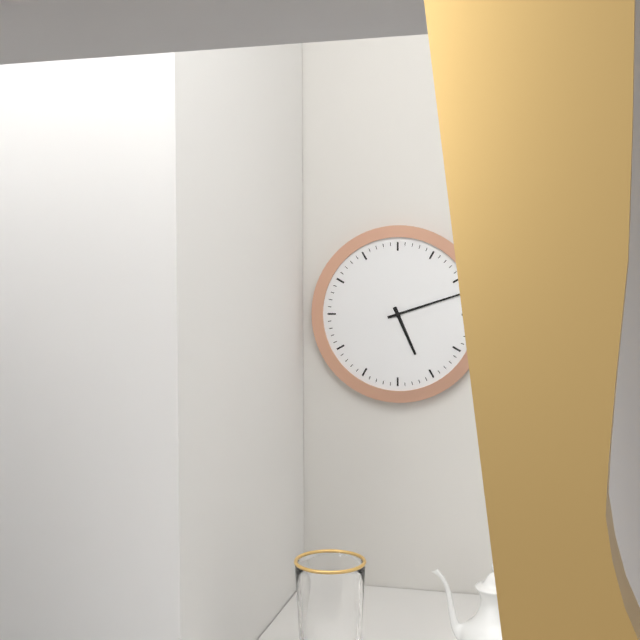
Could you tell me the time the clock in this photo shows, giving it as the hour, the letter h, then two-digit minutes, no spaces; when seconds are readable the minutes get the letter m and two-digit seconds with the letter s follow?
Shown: 5h12
